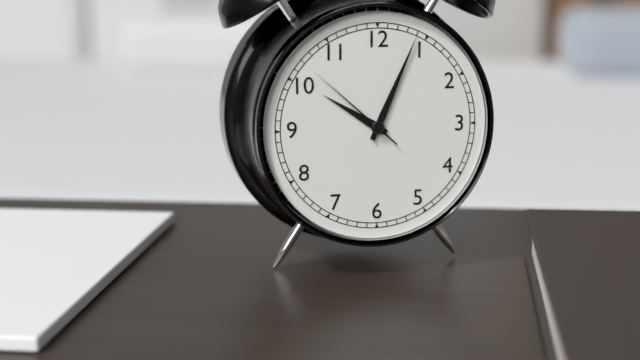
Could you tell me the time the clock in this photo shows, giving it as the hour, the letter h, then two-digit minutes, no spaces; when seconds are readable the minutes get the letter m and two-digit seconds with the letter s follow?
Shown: 10h04m52s
